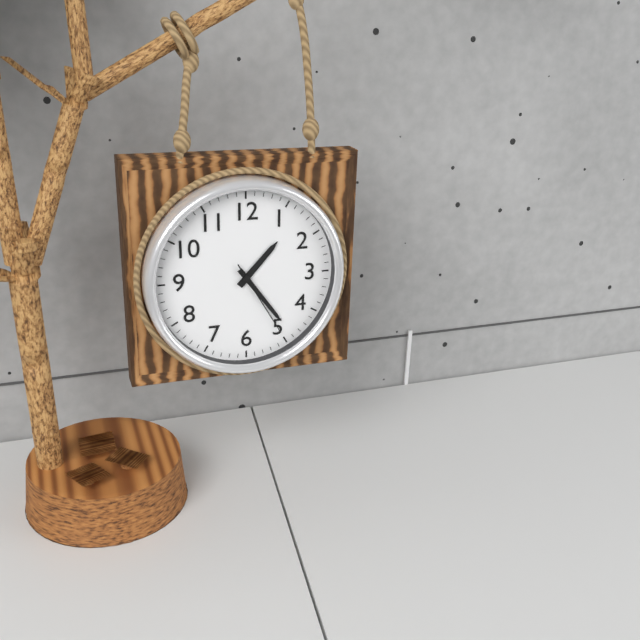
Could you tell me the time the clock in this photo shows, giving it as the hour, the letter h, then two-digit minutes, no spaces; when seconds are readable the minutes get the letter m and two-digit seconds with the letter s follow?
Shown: 1h24m25s
